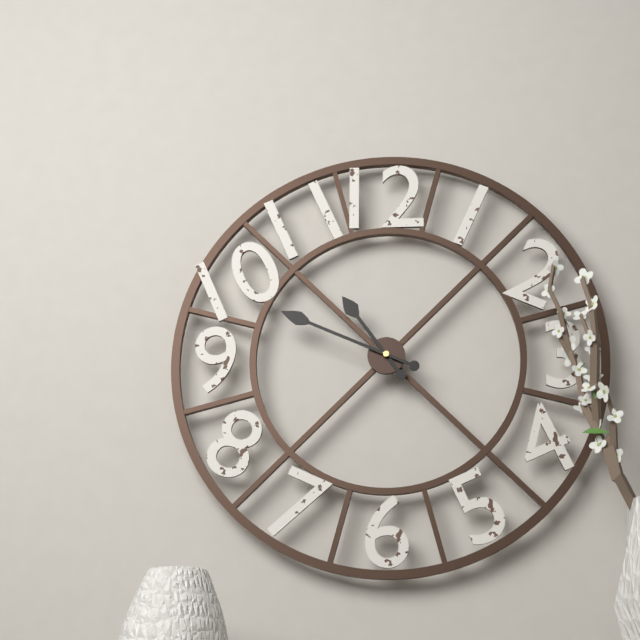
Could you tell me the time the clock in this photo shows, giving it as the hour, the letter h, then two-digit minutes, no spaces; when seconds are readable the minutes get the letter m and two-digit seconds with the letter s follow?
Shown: 10h49
